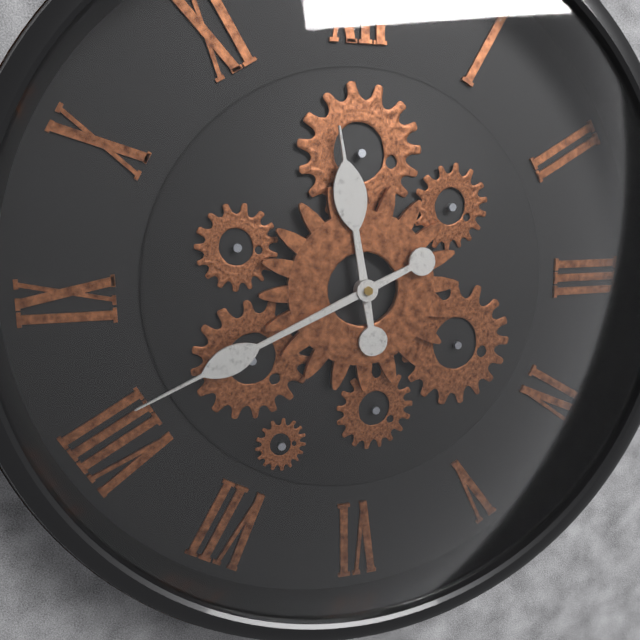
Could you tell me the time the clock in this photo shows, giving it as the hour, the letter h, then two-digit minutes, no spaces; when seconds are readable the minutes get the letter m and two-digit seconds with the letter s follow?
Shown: 11h41
